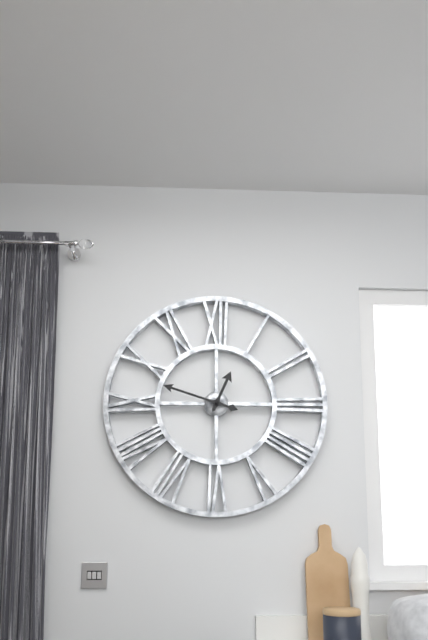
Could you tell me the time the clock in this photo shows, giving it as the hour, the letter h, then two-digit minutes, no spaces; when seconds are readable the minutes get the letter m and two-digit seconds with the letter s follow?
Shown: 12h48
